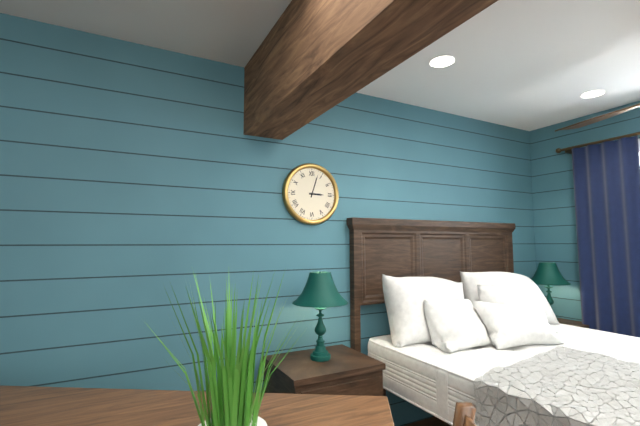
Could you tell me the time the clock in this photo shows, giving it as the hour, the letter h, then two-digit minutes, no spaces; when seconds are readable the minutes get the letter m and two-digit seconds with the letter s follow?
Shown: 3h03
